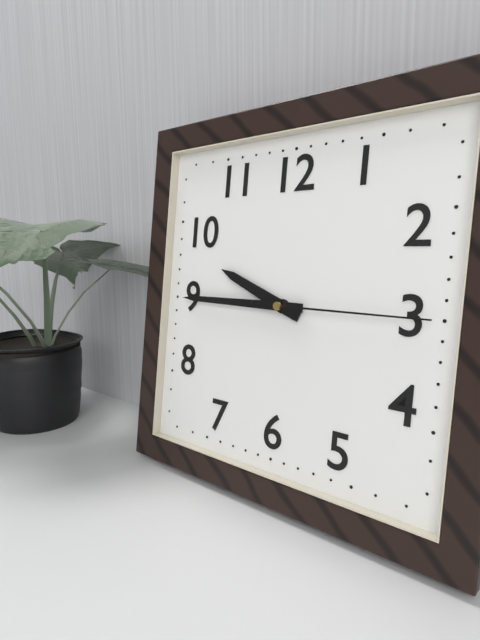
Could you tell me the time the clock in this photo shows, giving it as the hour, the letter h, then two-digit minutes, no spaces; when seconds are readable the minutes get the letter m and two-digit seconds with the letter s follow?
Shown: 9h45m15s
